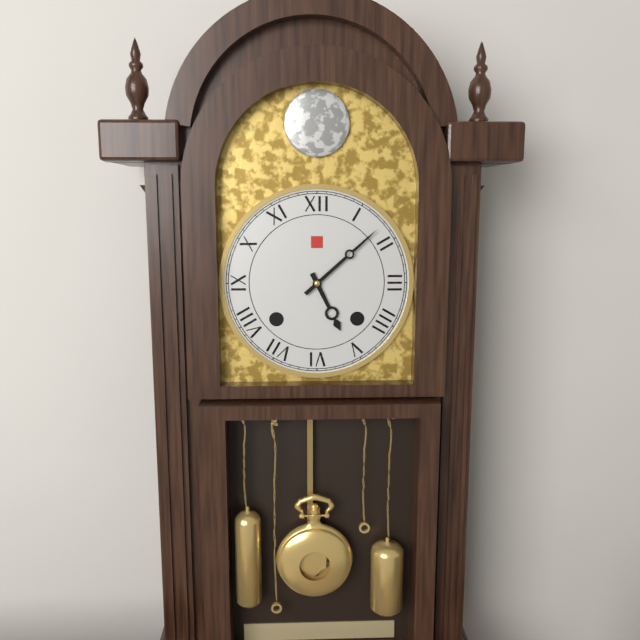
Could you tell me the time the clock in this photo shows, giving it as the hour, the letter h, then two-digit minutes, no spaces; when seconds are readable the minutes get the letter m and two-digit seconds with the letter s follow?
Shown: 5h08
